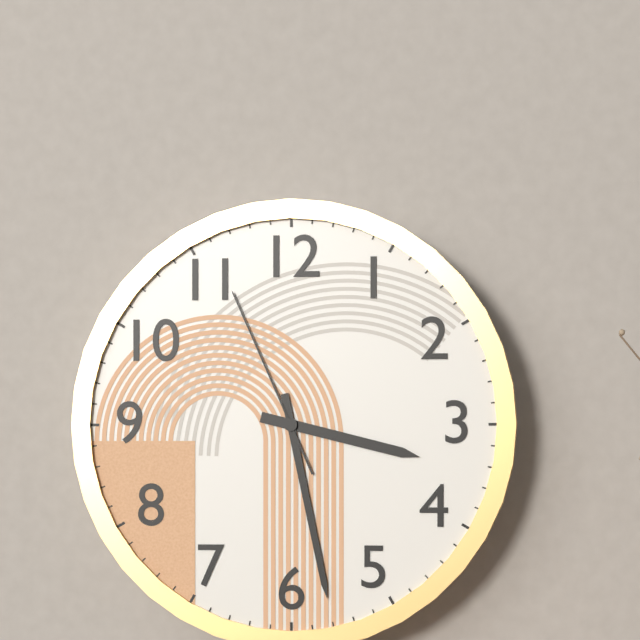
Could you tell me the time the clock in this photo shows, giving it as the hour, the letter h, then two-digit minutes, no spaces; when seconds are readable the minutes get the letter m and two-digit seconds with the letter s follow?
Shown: 3h28m56s
